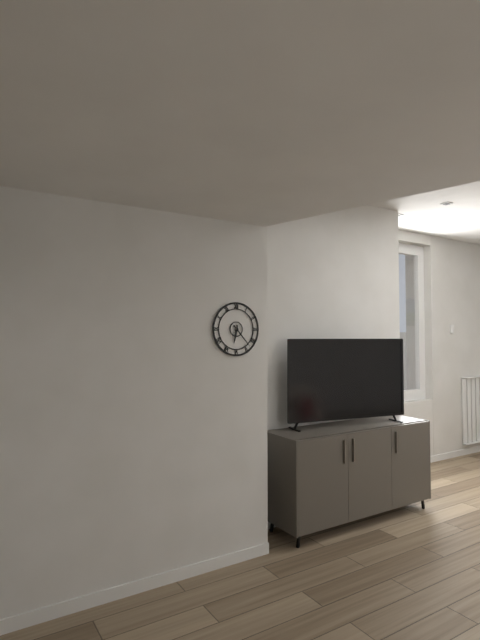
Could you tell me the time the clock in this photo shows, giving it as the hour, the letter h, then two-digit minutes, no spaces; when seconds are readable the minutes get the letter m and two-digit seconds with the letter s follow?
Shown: 6h23
